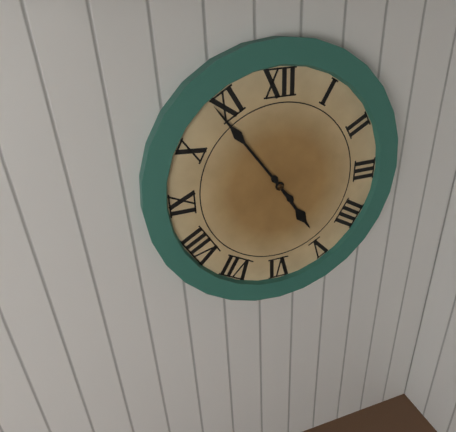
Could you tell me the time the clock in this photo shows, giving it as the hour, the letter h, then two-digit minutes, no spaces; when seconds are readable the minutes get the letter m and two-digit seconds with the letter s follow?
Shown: 4h54
